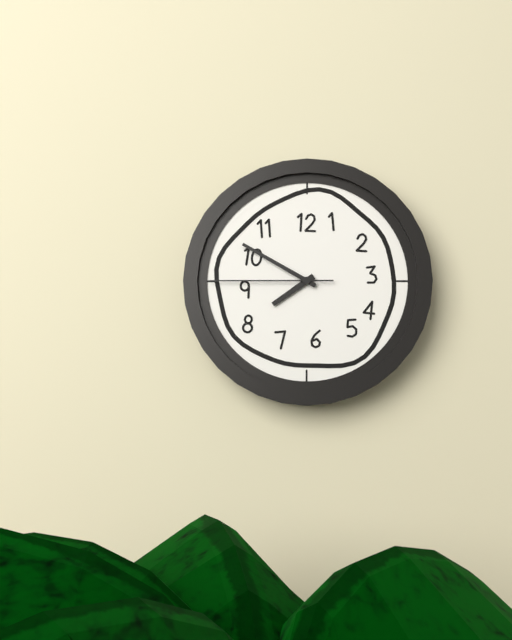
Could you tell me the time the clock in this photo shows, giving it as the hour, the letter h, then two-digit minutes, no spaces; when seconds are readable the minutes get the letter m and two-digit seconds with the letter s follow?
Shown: 7h50m45s
